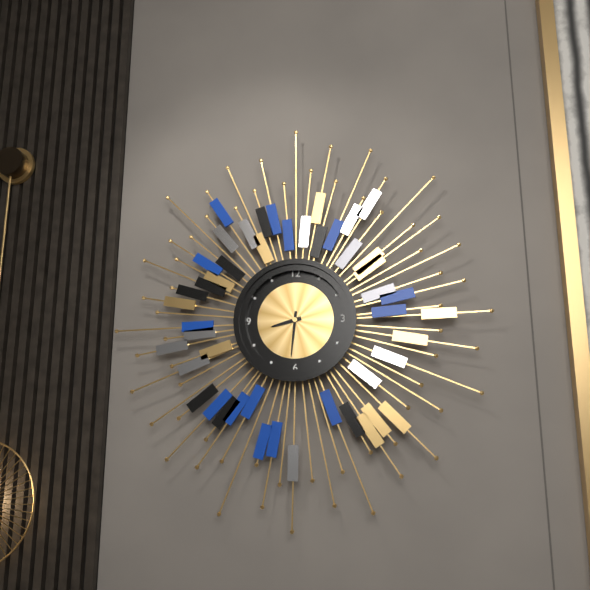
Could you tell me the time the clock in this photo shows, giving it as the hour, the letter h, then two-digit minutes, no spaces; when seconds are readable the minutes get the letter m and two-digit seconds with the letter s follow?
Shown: 8h31
